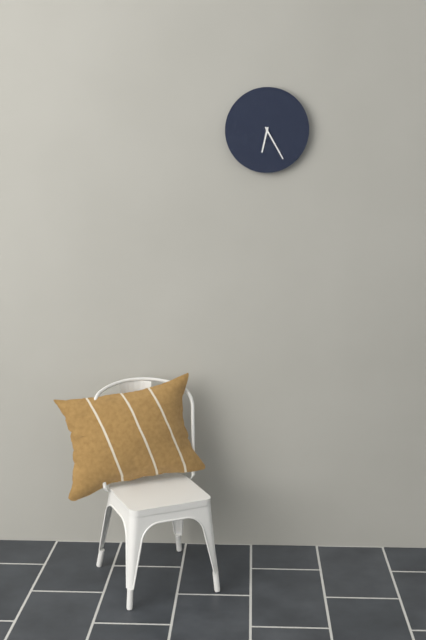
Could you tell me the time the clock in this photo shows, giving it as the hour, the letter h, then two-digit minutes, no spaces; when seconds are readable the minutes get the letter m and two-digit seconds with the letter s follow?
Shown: 6h25
